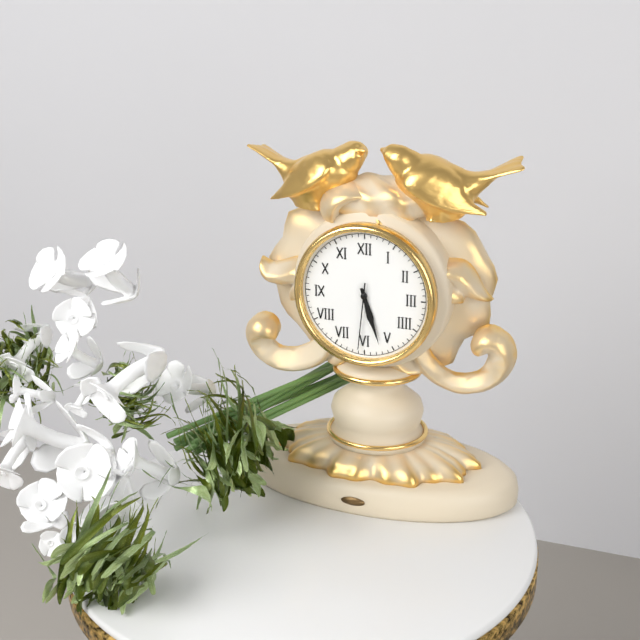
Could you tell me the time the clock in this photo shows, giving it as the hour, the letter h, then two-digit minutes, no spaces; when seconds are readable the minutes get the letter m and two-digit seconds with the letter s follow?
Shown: 5h27m31s
